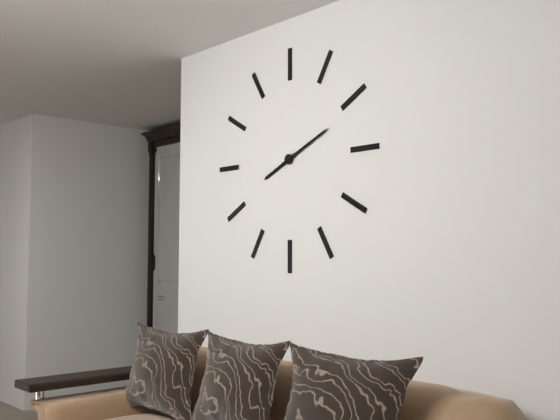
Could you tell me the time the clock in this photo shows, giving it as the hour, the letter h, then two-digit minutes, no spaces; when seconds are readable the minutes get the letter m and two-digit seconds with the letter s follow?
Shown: 8h11
